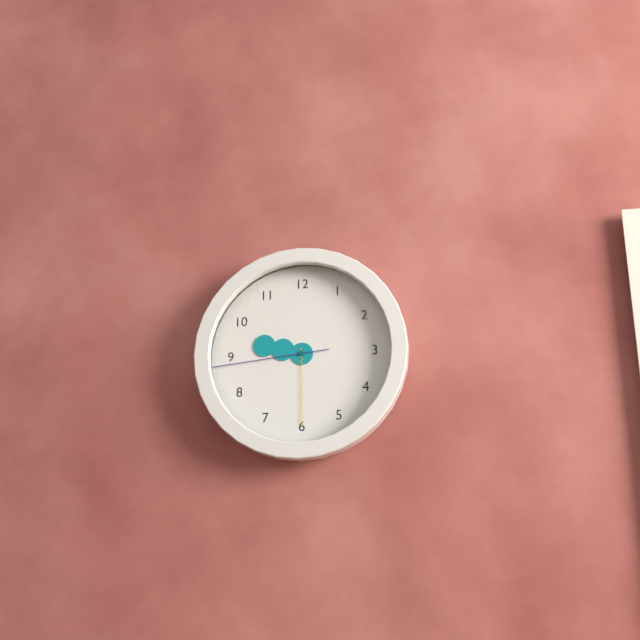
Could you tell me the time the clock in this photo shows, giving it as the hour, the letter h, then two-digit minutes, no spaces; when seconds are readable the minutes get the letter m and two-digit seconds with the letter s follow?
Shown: 9h30m44s
